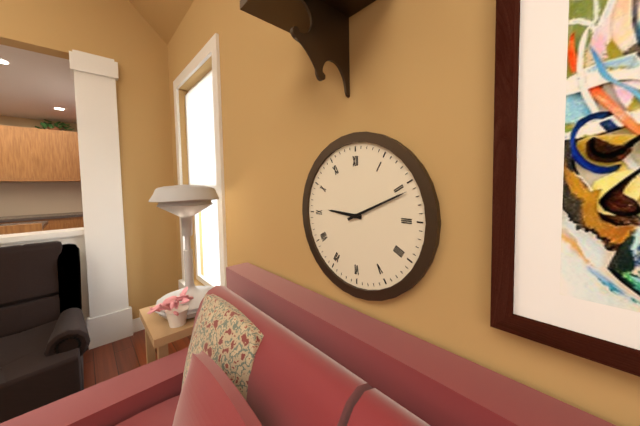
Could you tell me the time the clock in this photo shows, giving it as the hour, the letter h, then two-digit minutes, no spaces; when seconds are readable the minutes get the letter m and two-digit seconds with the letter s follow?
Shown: 9h11
